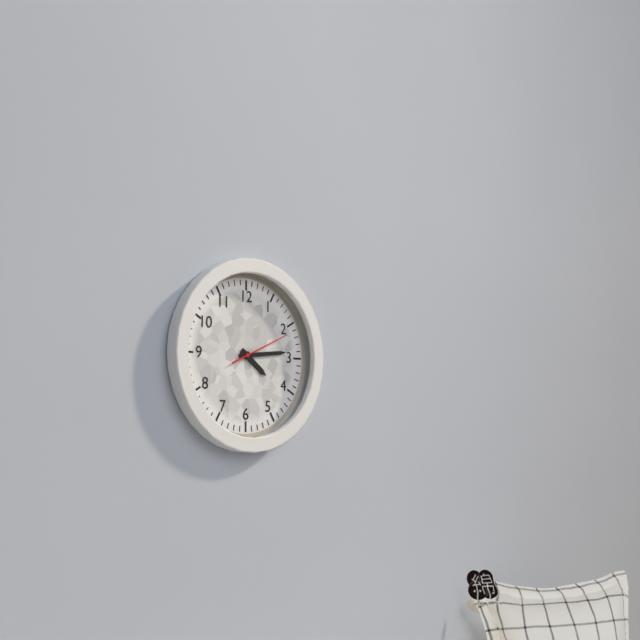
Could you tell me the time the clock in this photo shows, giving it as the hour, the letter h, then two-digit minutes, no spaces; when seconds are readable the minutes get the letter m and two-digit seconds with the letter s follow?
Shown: 4h14m11s
